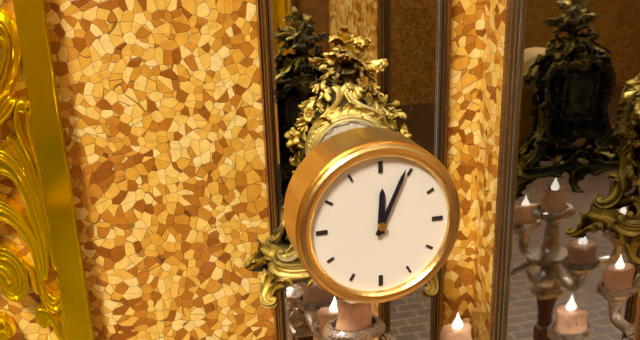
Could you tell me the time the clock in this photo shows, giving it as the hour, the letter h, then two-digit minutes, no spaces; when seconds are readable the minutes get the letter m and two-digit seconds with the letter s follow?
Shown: 12h04
